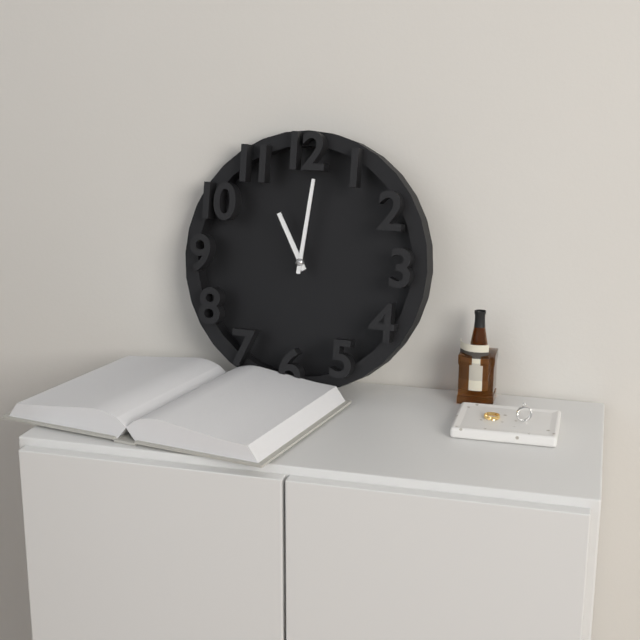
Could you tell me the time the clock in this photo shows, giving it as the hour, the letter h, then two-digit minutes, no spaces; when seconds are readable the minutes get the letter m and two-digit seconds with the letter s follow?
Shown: 11h01
